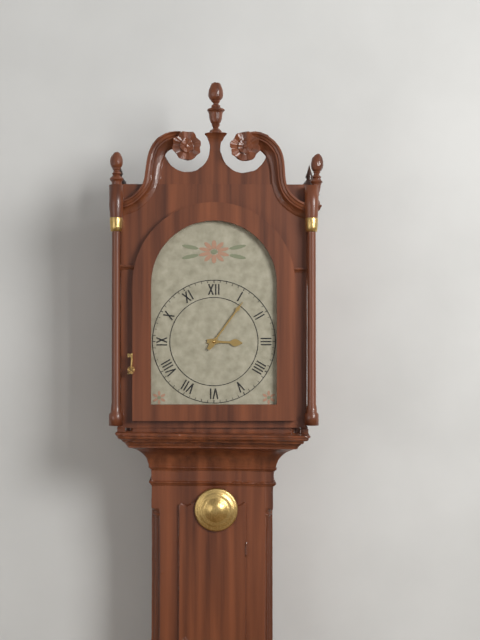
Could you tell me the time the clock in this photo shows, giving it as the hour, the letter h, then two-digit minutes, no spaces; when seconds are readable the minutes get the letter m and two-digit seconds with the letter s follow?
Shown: 3h06
